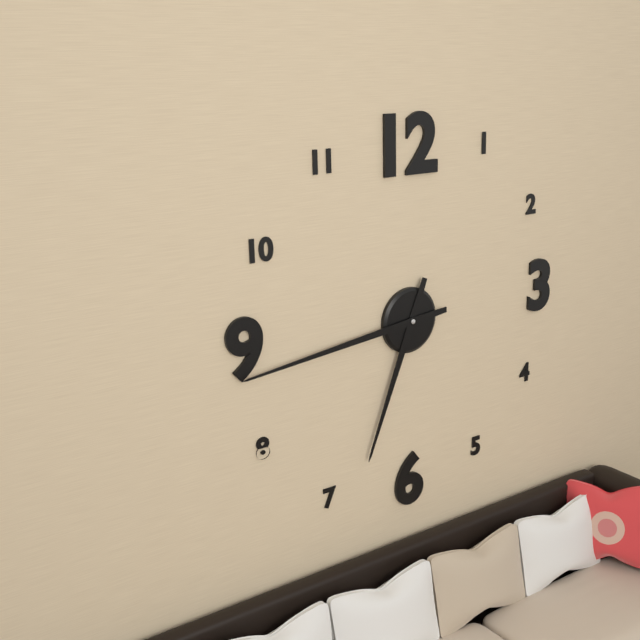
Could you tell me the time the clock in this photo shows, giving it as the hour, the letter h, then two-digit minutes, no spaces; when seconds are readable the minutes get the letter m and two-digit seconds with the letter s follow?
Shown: 6h44
